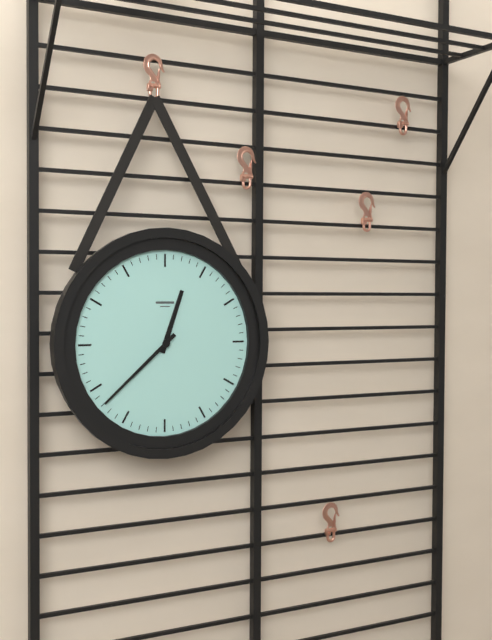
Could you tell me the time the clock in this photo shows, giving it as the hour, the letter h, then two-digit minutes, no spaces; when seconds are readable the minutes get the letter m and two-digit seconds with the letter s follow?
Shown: 12h38
